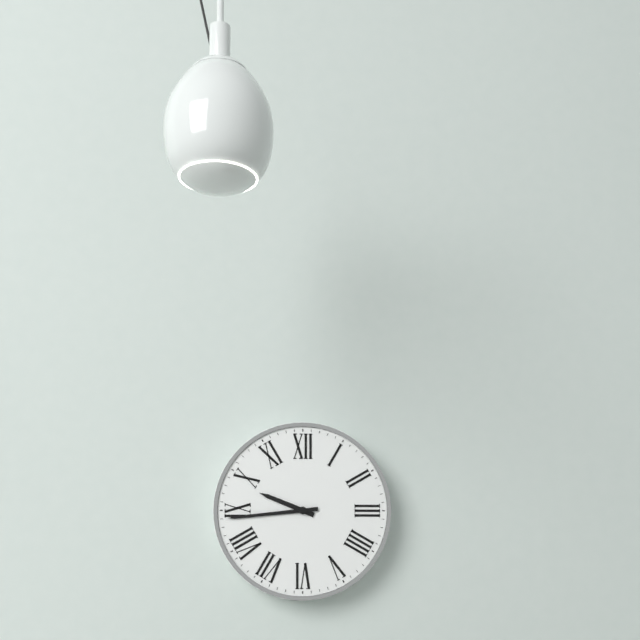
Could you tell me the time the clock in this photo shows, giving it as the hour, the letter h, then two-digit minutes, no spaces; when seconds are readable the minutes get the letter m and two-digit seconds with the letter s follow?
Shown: 9h44
